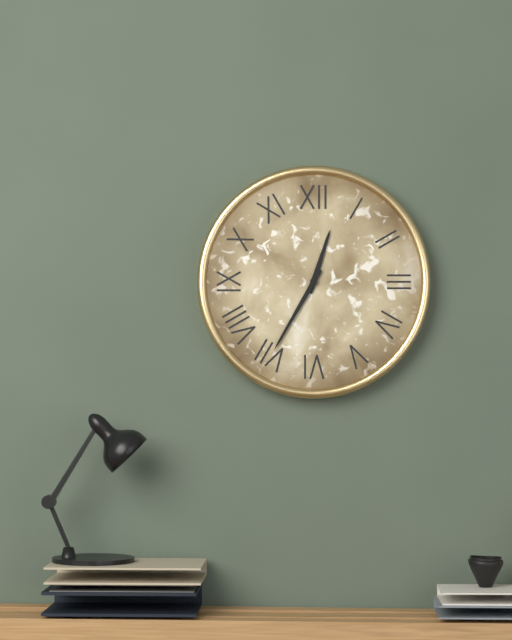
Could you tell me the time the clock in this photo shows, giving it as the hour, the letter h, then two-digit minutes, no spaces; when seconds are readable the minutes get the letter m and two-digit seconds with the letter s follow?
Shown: 12h35
